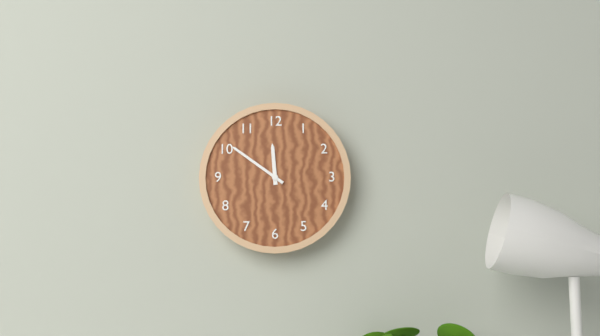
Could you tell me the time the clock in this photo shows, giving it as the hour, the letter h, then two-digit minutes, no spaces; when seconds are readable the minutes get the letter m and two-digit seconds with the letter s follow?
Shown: 11h51
